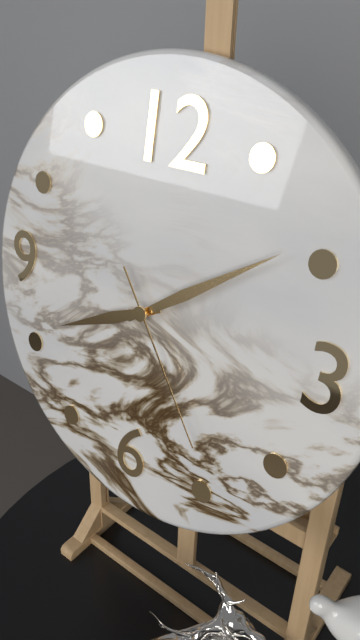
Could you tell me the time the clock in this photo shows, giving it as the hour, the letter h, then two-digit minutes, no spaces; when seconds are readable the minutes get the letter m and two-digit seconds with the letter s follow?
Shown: 8h09m24s
